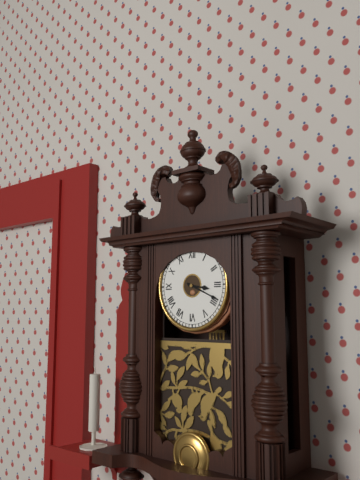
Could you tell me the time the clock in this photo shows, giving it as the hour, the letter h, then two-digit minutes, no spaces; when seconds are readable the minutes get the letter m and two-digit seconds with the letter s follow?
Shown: 3h19
